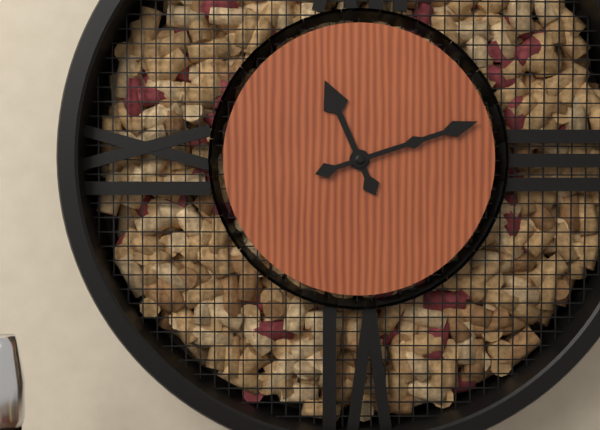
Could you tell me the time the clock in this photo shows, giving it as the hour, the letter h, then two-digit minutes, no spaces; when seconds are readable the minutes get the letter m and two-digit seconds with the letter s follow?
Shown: 11h12
